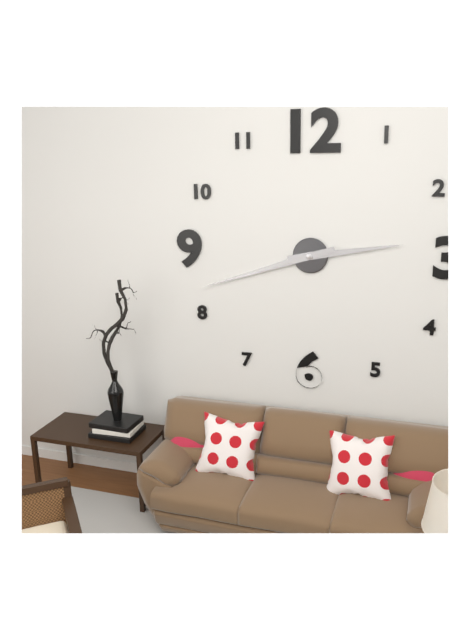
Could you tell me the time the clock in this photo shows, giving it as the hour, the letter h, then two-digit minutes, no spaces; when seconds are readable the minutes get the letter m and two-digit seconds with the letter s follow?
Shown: 2h42
